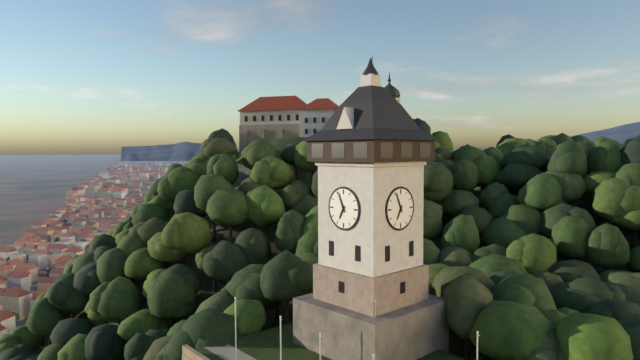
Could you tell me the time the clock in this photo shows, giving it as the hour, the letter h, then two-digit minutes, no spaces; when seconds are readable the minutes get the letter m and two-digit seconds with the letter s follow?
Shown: 6h56
